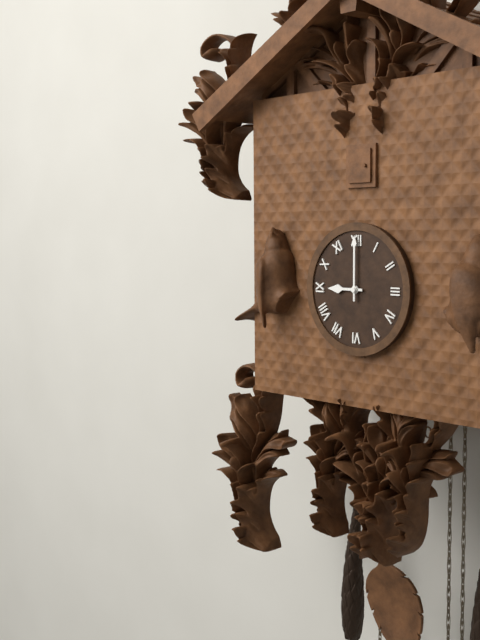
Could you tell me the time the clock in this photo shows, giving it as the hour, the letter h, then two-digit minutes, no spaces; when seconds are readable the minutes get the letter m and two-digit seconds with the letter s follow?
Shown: 9h00
